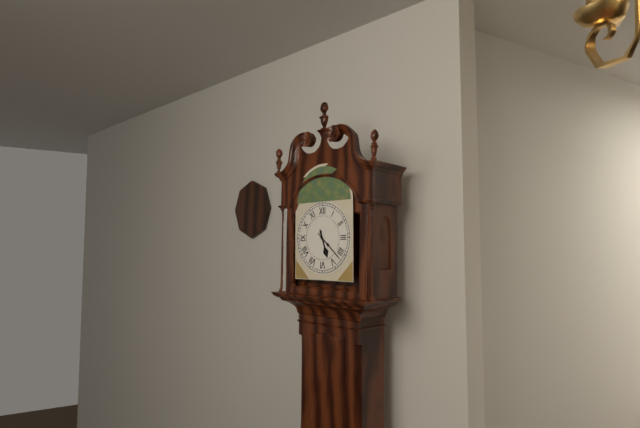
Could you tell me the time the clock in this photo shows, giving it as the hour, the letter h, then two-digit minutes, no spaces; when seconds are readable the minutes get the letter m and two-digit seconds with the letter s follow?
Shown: 5h22
